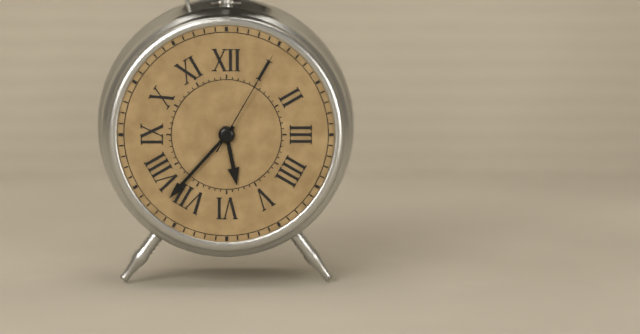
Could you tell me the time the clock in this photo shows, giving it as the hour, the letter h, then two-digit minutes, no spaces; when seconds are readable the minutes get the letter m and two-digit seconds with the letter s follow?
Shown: 5h37m05s
